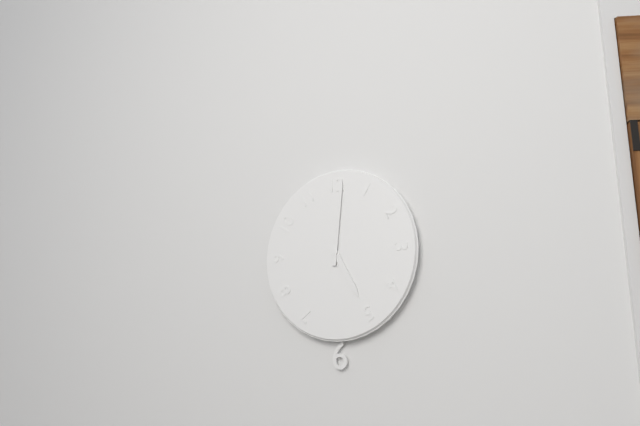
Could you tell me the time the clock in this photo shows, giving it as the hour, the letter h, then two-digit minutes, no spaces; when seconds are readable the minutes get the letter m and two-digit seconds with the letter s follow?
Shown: 5h01
